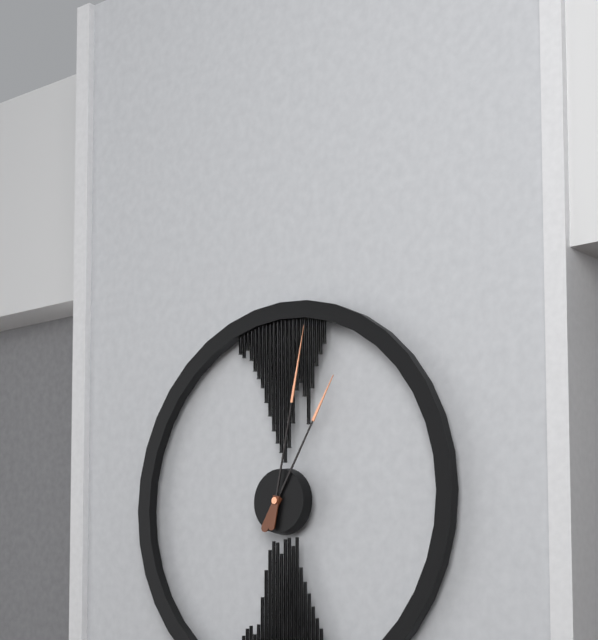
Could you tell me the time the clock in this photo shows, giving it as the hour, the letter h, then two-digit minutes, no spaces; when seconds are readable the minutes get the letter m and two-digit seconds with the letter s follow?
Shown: 1h02
